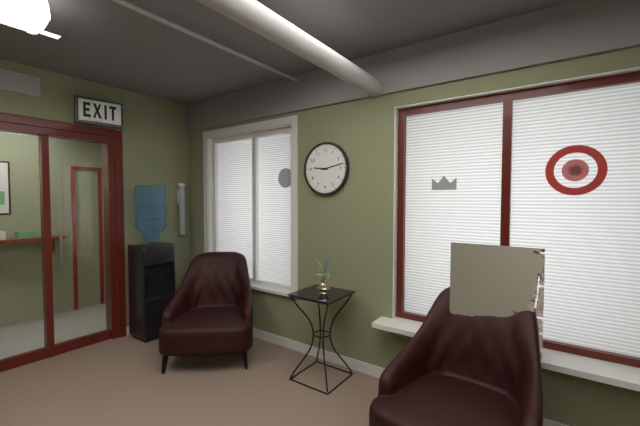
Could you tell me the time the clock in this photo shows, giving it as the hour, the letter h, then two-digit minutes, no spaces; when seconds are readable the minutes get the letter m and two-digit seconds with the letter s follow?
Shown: 9h13
